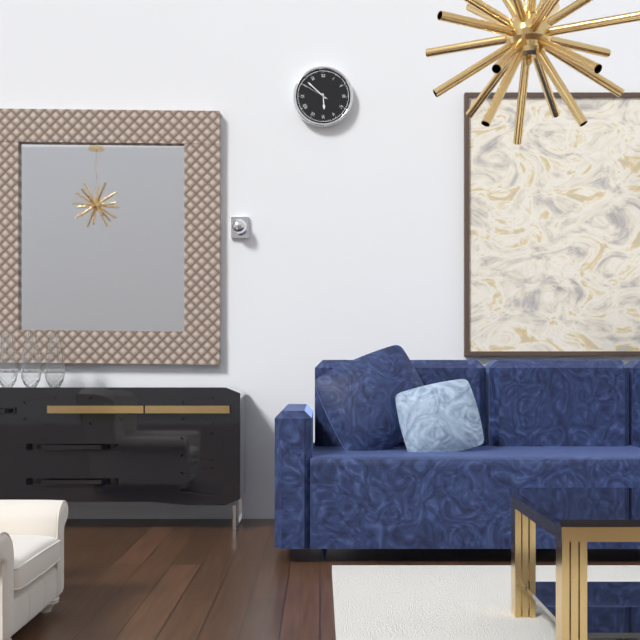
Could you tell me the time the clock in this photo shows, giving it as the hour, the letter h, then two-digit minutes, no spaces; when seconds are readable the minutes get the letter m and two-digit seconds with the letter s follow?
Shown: 5h52
